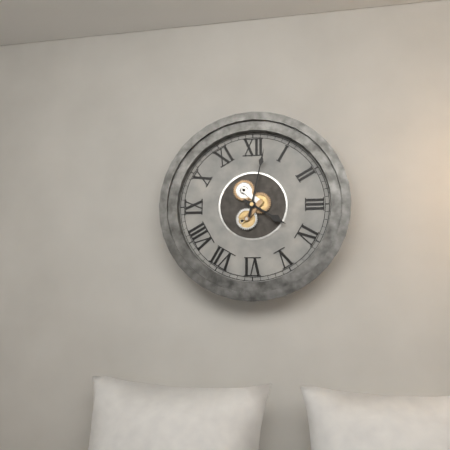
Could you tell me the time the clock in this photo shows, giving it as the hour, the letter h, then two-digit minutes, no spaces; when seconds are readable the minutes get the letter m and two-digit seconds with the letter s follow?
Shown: 4h02
